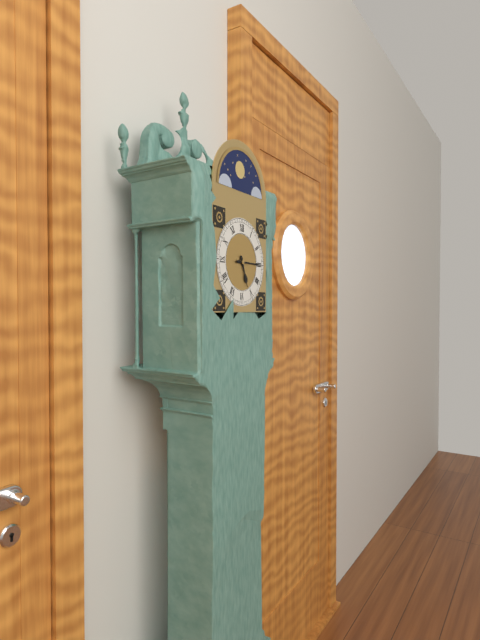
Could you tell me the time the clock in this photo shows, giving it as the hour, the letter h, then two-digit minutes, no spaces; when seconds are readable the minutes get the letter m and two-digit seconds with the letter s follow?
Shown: 5h15
